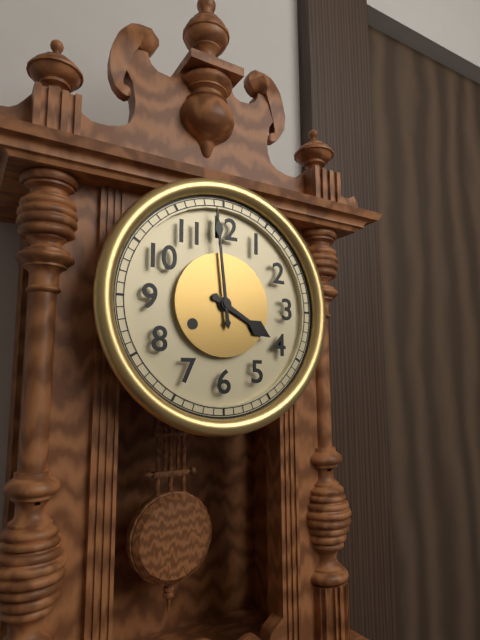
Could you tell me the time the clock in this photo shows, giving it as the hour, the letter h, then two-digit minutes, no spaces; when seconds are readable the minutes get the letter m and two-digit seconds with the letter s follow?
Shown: 3h59
